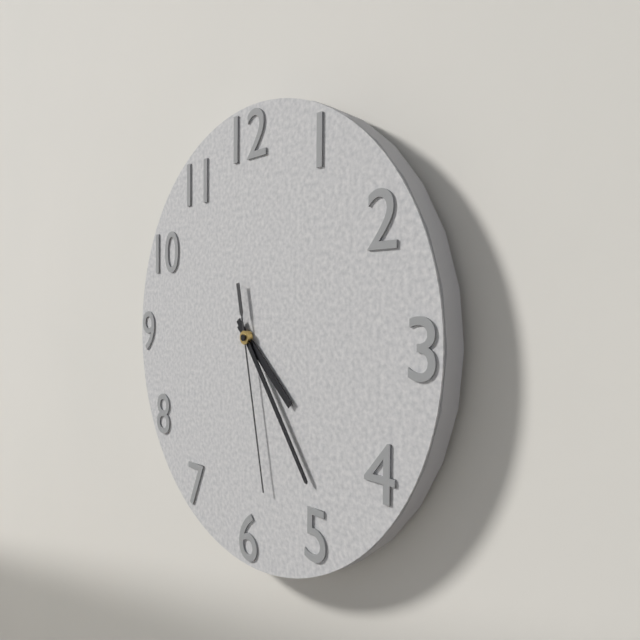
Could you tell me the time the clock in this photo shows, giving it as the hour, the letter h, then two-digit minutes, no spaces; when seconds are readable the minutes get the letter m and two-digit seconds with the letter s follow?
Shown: 4h24m28s
